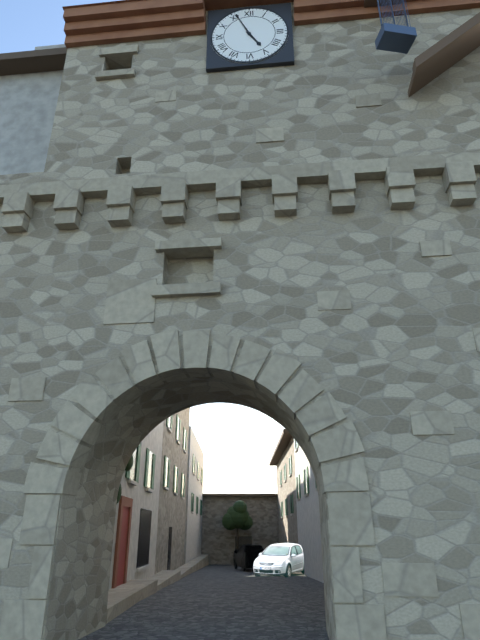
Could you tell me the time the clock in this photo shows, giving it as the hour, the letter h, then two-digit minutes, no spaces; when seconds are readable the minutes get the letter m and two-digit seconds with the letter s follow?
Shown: 4h56
